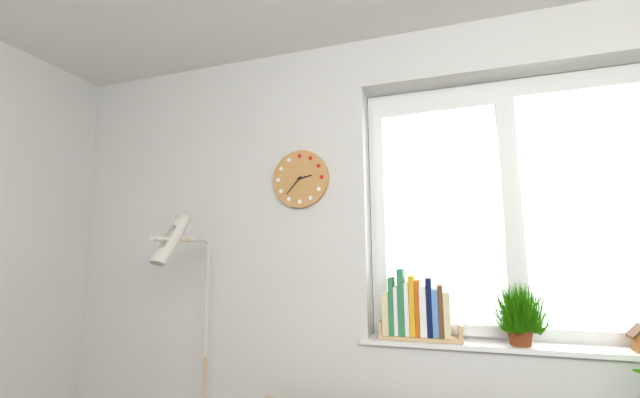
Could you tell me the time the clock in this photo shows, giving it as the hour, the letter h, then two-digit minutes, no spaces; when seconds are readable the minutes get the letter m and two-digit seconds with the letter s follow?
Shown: 2h37
